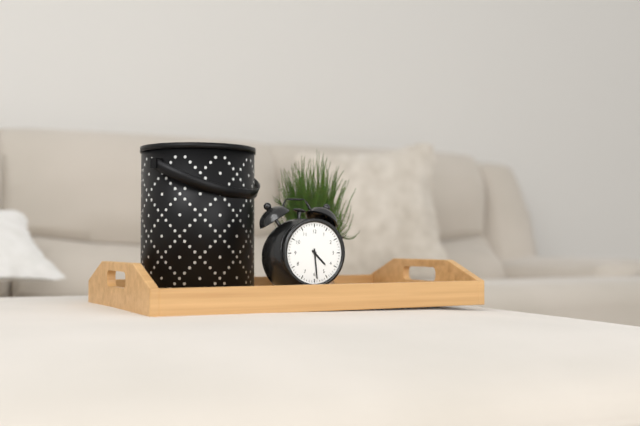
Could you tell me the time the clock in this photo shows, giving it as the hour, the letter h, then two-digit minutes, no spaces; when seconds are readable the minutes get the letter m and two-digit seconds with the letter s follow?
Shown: 4h29
